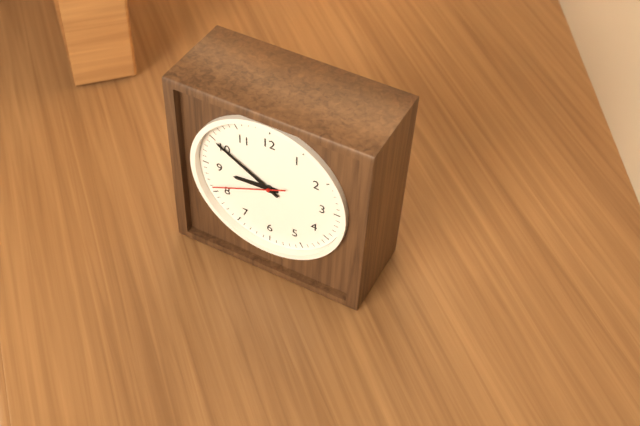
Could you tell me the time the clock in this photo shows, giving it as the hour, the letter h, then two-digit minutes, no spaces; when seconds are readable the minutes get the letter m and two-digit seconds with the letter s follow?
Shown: 8h50m41s
